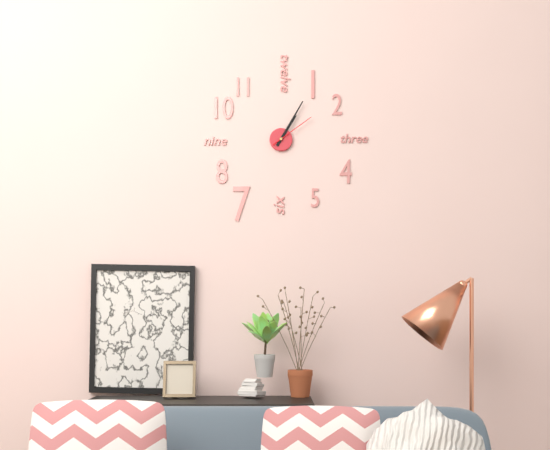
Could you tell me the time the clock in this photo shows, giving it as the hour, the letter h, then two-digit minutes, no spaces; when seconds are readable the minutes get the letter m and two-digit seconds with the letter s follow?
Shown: 1h05
